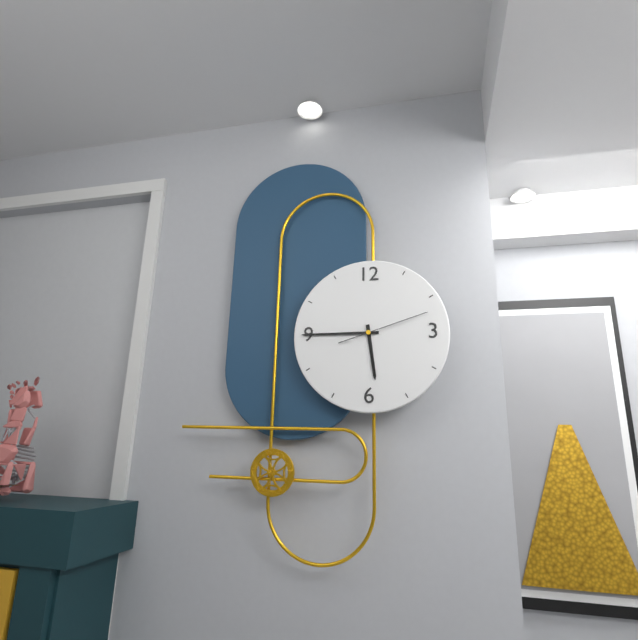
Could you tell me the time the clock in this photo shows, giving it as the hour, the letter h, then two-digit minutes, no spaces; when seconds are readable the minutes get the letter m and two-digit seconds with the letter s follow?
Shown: 5h45m12s
